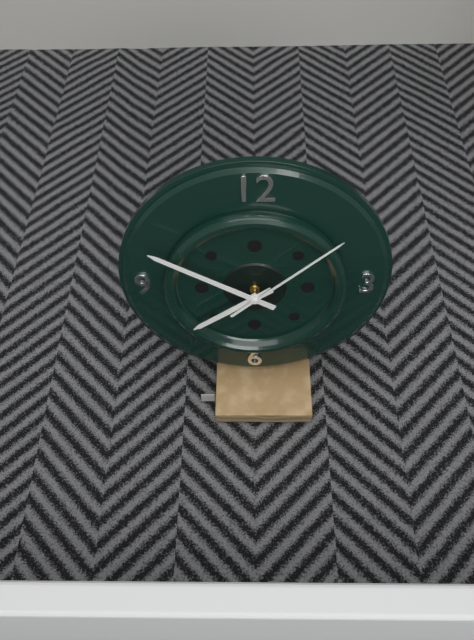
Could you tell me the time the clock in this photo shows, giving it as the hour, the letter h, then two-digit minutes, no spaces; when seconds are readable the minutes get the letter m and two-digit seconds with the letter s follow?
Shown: 7h50m08s
